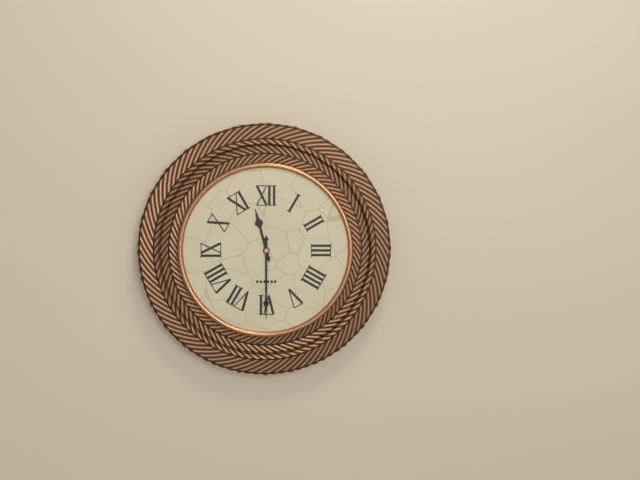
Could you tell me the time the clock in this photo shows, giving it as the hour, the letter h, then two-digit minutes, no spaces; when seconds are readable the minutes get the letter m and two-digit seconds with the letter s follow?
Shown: 11h30
